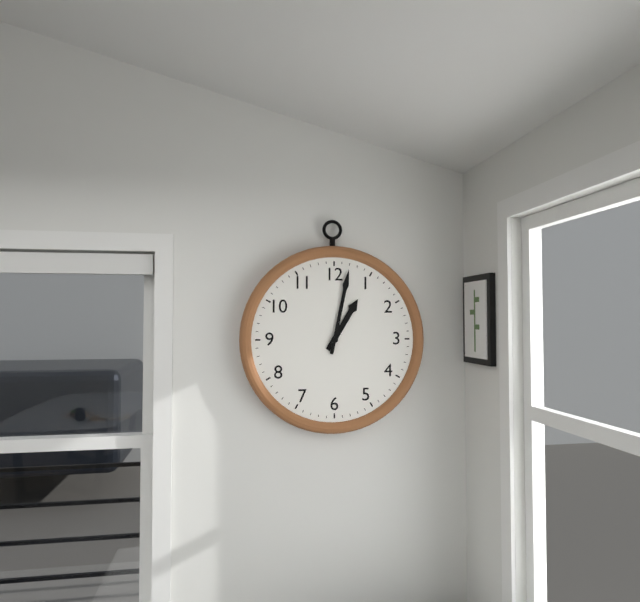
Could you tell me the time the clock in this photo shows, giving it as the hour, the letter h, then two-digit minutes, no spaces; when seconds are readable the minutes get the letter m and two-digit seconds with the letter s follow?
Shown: 1h02
